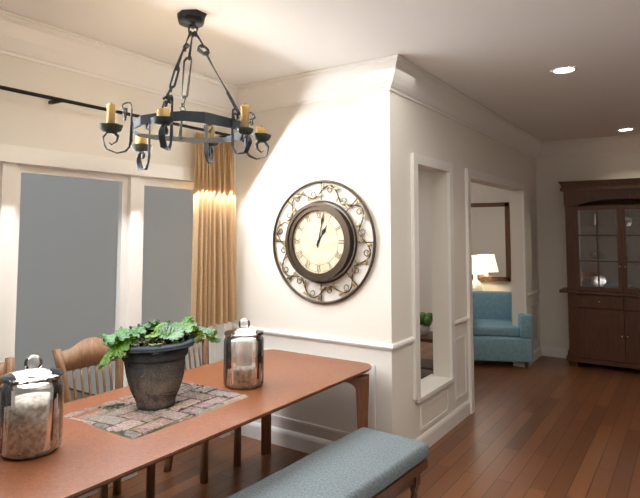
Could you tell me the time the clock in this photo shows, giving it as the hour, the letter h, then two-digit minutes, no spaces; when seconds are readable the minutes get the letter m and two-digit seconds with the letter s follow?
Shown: 1h02
